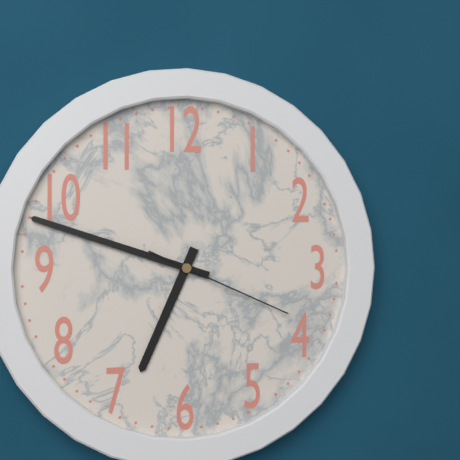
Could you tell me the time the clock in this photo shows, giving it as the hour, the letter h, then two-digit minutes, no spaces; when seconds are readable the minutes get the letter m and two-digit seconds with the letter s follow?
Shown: 6h48m19s
